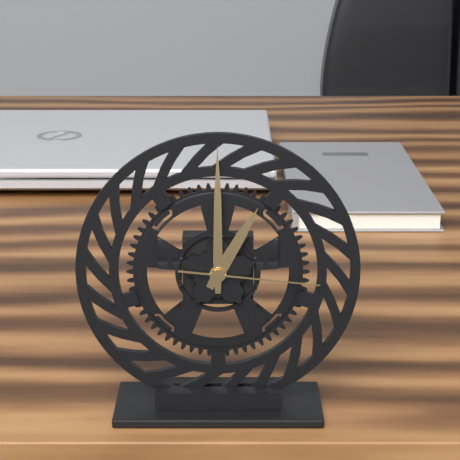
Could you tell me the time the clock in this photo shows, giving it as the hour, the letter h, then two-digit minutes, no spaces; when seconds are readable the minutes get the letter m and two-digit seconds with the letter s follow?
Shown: 1h00m16s
